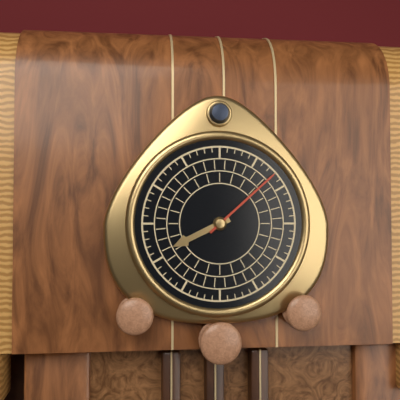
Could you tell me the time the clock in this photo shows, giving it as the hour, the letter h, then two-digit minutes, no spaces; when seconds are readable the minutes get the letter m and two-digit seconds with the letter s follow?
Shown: 8h08
